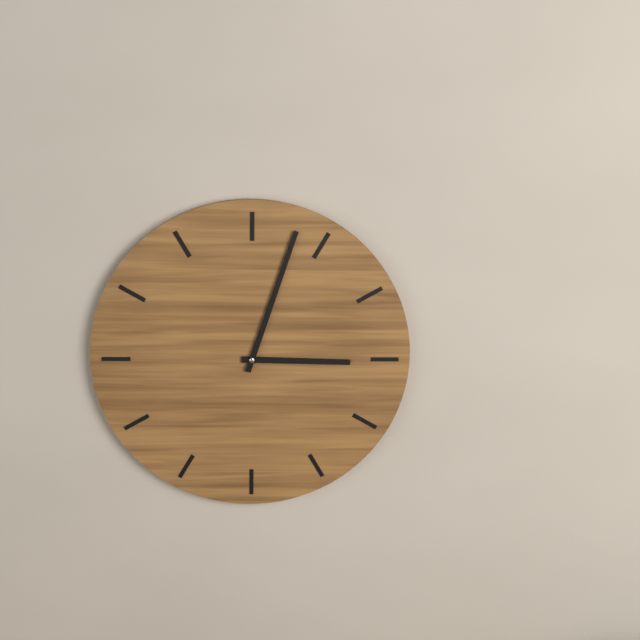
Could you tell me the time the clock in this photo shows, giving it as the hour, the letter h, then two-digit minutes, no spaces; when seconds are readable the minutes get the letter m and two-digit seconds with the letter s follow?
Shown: 3h03
